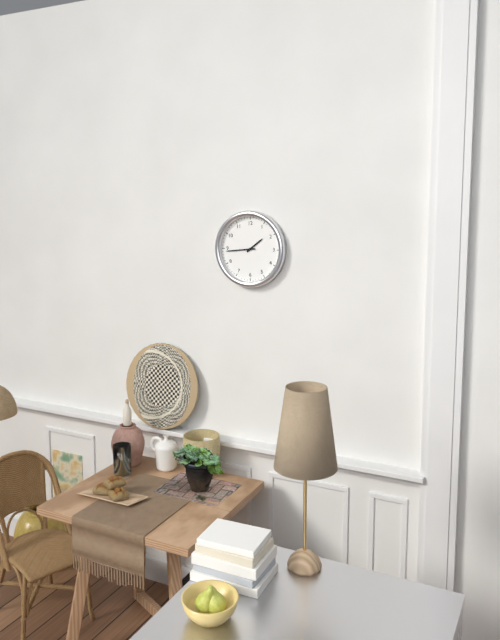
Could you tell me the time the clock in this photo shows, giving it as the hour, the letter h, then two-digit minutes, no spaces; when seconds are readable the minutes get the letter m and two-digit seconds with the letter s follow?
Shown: 1h44
